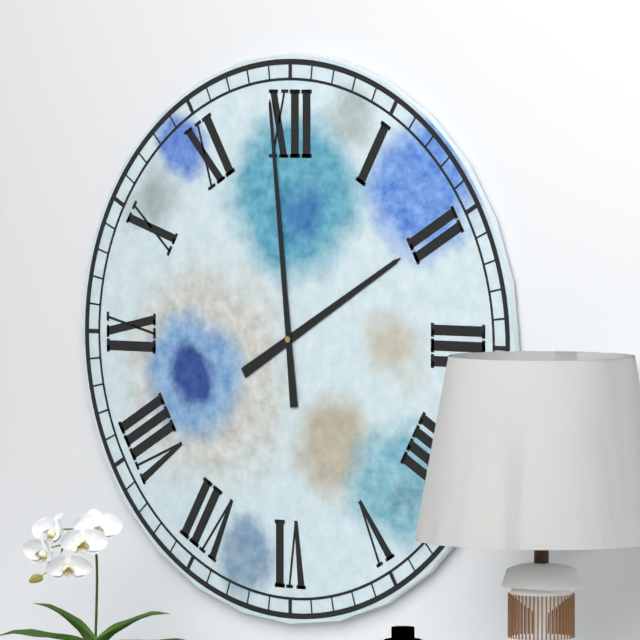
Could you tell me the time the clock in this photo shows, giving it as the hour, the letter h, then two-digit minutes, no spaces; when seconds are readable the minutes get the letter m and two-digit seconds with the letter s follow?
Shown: 1h59
